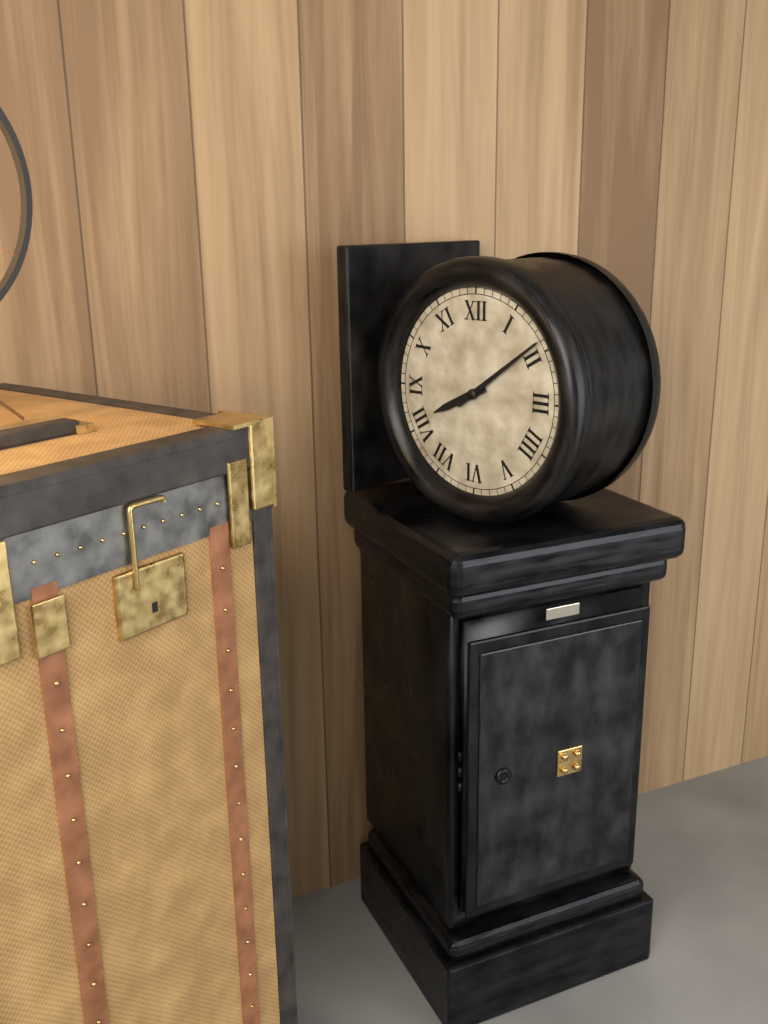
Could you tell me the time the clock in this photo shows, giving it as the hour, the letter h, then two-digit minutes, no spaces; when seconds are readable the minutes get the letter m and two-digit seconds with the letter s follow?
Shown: 8h09
